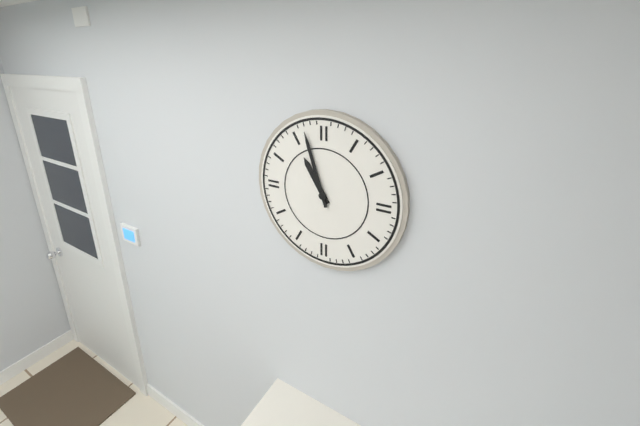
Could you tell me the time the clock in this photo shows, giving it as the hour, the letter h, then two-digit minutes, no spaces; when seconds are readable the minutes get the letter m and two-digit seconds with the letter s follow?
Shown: 10h57
